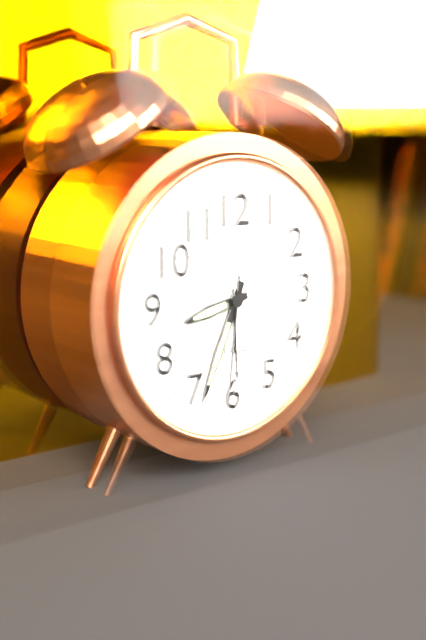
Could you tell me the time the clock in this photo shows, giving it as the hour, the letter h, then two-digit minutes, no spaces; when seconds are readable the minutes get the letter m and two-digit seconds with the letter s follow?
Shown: 8h34m31s
